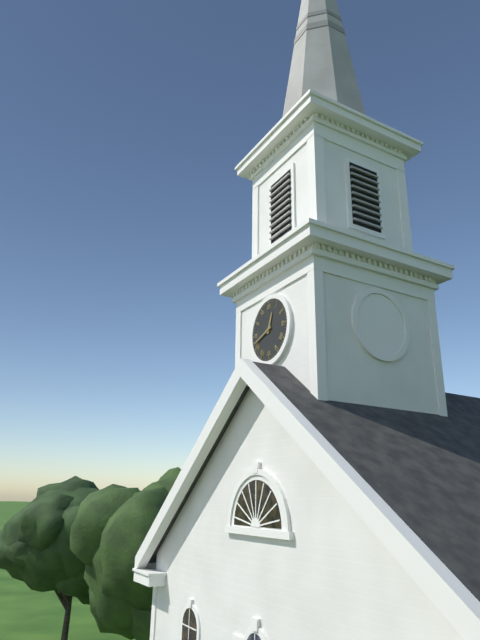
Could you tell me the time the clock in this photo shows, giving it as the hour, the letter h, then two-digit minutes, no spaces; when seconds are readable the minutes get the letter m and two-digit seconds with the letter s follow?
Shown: 12h42
